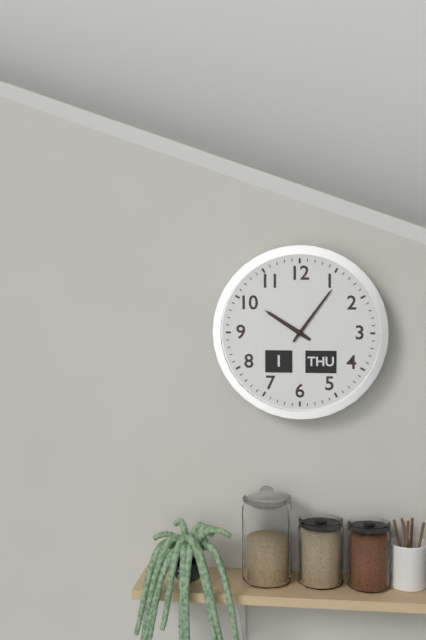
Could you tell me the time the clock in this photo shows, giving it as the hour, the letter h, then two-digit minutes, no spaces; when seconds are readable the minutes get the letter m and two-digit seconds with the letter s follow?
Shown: 10h06
